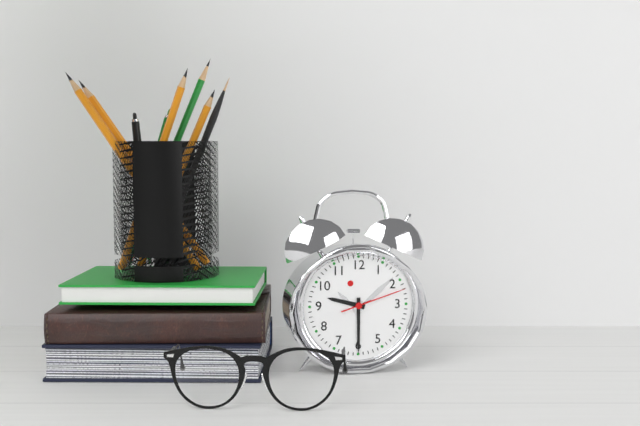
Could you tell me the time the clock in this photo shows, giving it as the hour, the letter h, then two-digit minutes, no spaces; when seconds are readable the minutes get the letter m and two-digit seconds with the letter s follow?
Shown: 9h30m12s
